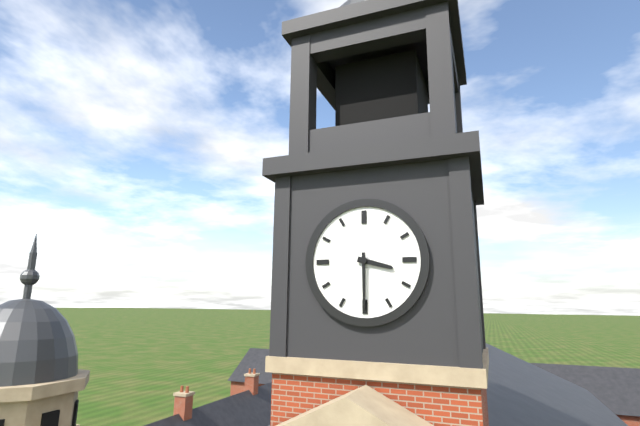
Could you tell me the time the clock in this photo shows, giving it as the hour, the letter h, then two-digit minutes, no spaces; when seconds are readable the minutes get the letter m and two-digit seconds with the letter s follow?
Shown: 3h30
